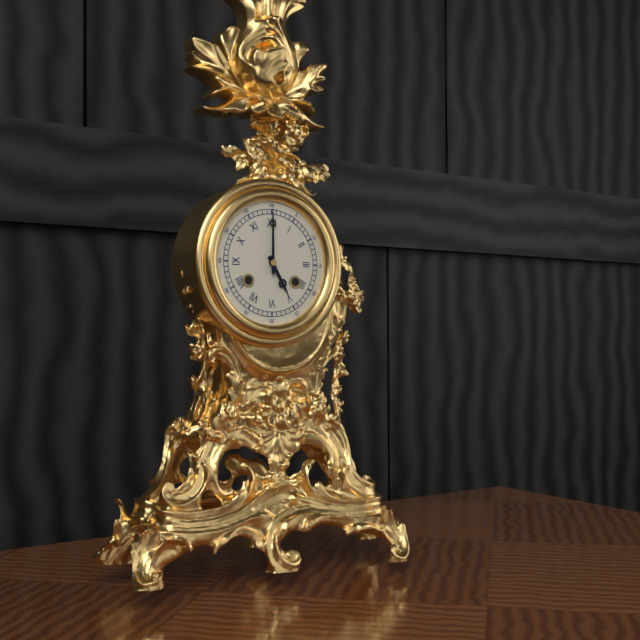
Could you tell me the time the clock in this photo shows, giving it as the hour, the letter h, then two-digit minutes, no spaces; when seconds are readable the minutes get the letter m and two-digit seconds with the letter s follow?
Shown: 5h00
